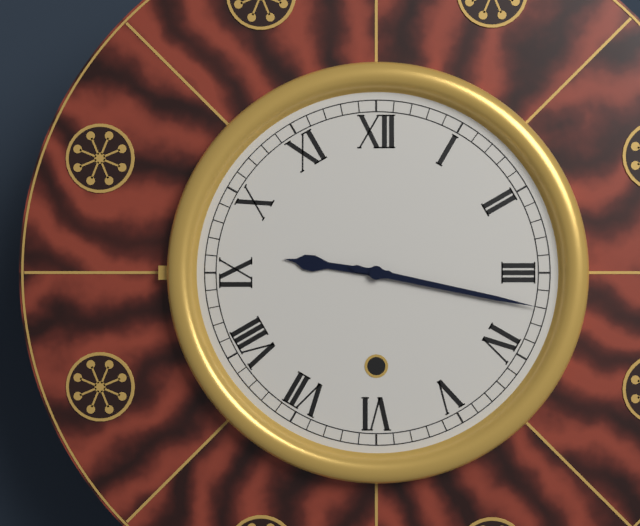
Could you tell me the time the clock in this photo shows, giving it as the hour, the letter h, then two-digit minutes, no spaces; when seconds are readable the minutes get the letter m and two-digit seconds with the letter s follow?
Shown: 9h17
